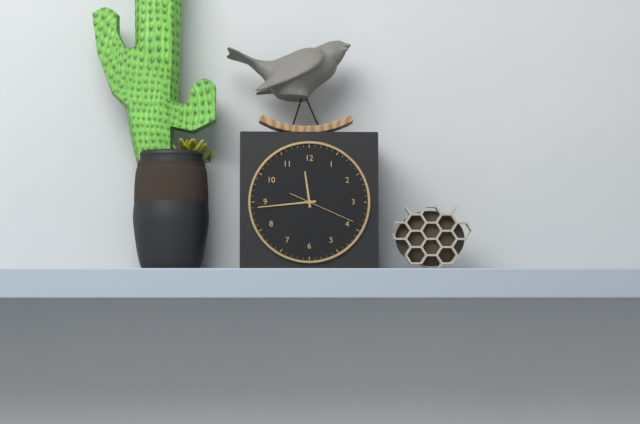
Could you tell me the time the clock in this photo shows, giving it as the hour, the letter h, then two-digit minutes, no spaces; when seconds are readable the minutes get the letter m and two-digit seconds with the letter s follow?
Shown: 11h44m19s
